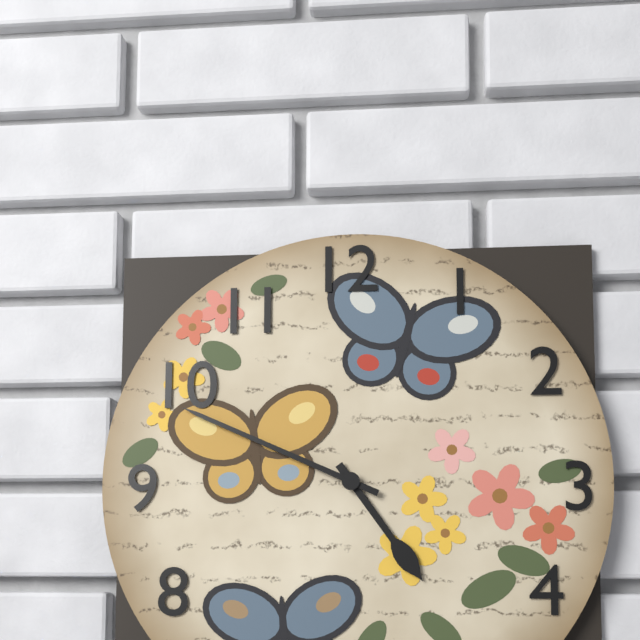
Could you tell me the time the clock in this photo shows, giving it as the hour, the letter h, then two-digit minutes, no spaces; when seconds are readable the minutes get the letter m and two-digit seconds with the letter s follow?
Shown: 4h49
